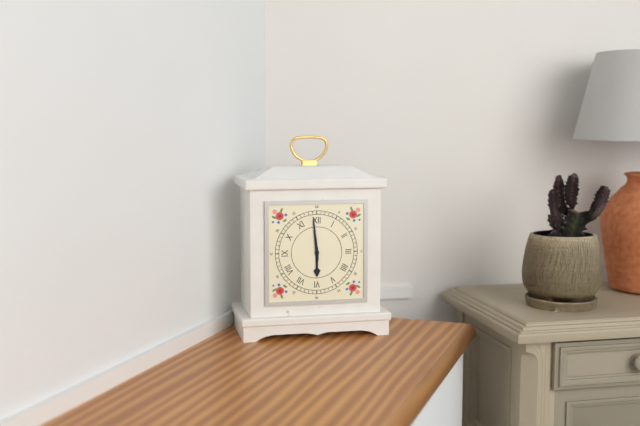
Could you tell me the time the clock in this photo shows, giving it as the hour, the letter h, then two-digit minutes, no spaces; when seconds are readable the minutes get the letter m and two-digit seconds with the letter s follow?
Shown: 5h59
